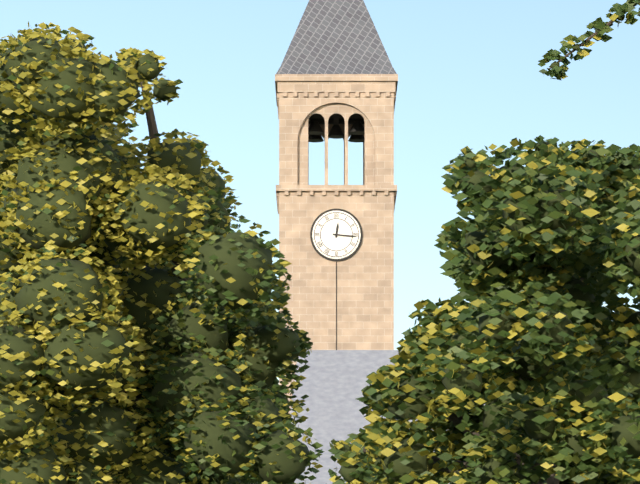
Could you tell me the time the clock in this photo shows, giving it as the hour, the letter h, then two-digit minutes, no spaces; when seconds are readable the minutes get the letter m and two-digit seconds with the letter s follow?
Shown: 12h16
